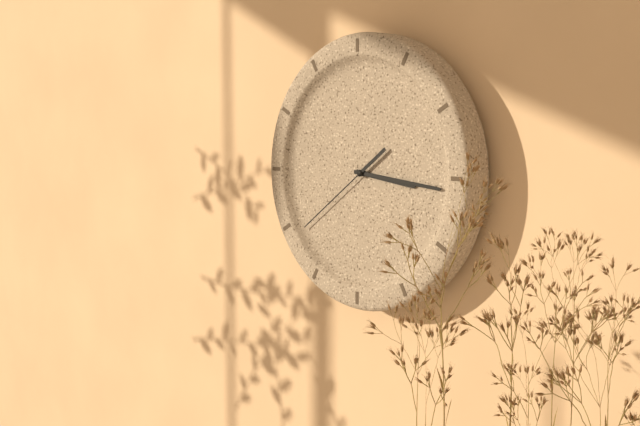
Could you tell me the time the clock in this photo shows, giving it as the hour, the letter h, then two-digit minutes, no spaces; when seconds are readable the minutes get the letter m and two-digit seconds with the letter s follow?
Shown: 3h16m39s
